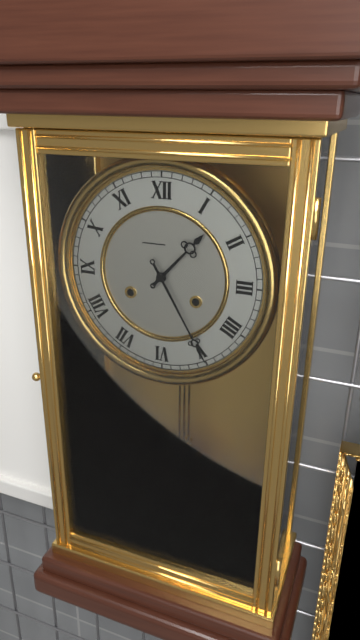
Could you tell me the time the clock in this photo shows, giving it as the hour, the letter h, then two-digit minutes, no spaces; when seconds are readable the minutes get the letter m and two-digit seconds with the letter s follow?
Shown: 1h25
